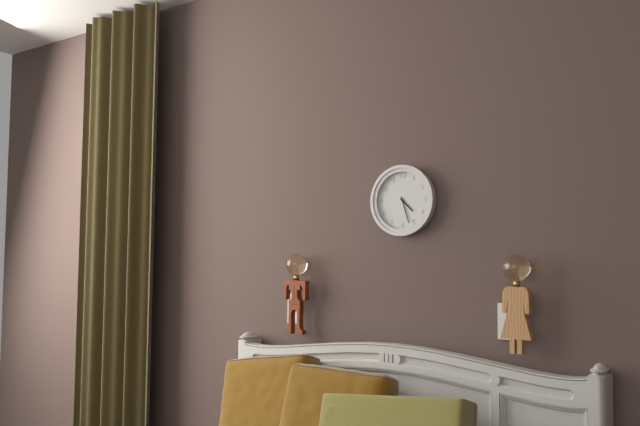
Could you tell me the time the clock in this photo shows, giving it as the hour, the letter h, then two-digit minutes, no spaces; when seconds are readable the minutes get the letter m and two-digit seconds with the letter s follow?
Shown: 4h27
